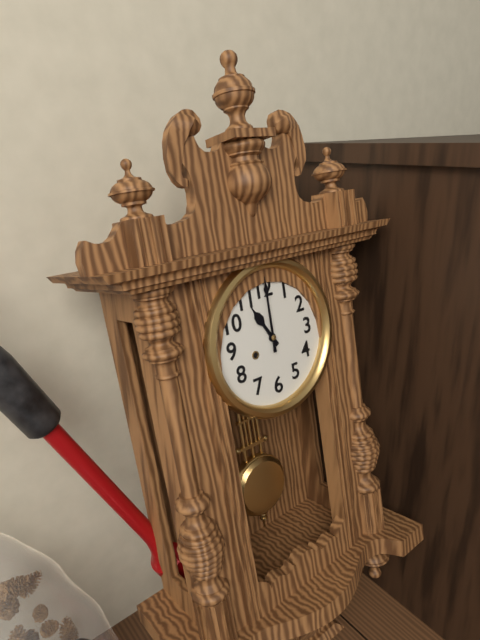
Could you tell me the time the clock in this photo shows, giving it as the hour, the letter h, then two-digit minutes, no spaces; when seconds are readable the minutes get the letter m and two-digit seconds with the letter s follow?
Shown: 11h00
